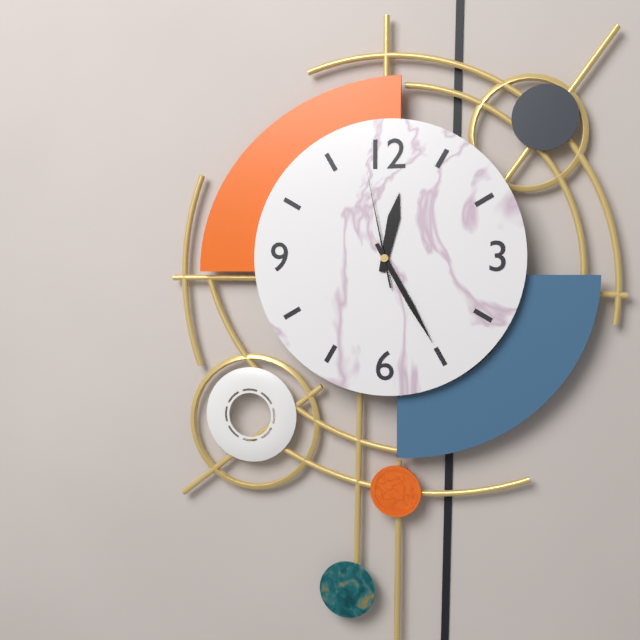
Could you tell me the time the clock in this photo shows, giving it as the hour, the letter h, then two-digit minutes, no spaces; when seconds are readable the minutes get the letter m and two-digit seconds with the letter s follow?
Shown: 12h25m58s
